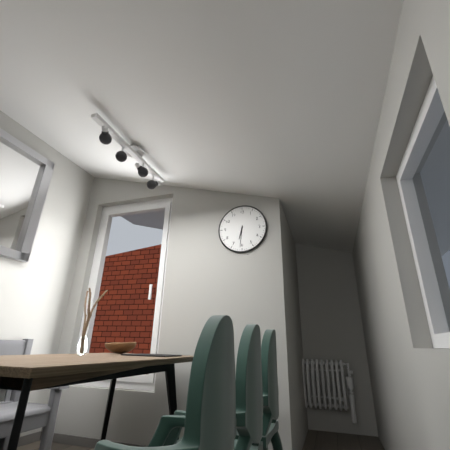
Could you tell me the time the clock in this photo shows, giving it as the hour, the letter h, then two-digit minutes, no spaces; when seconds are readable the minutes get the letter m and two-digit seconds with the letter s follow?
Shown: 6h31
